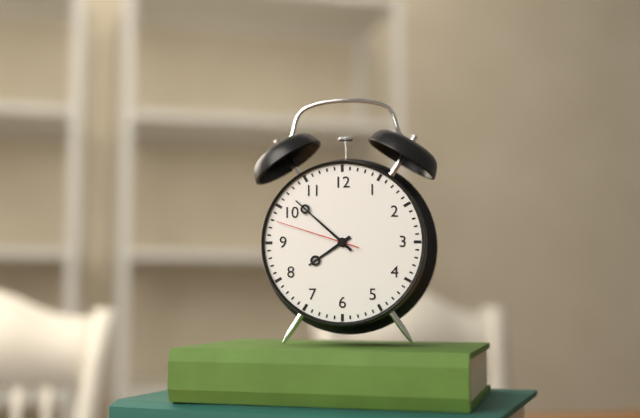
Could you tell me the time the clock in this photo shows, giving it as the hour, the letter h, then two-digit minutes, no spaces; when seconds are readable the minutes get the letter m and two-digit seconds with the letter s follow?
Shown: 7h52m48s
